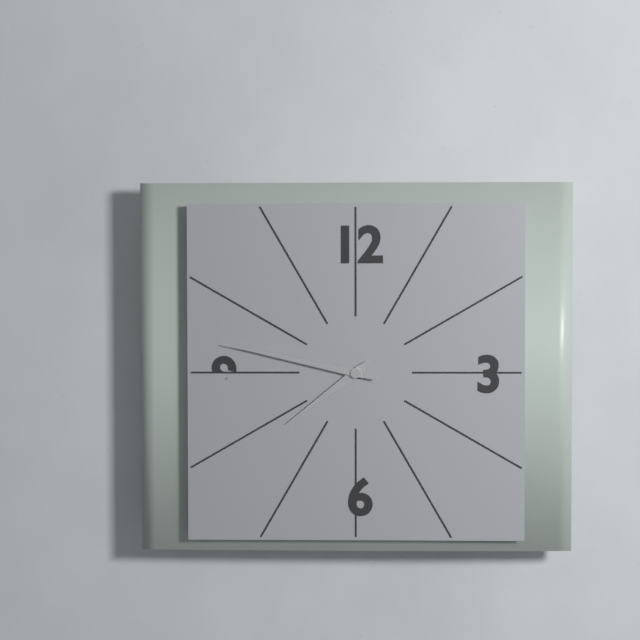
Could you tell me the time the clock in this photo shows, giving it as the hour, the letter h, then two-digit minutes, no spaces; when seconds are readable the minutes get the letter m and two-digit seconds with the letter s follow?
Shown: 7h47
